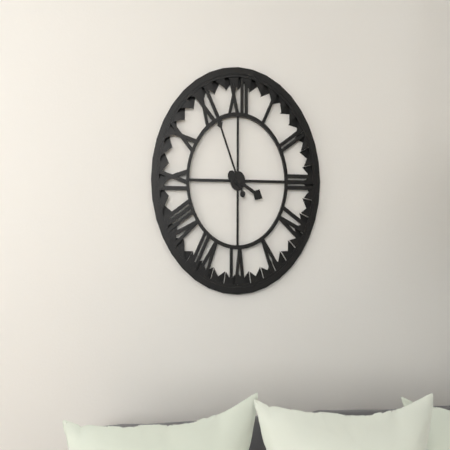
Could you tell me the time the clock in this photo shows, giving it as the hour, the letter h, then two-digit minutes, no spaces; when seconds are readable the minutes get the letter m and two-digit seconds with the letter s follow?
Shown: 3h56
